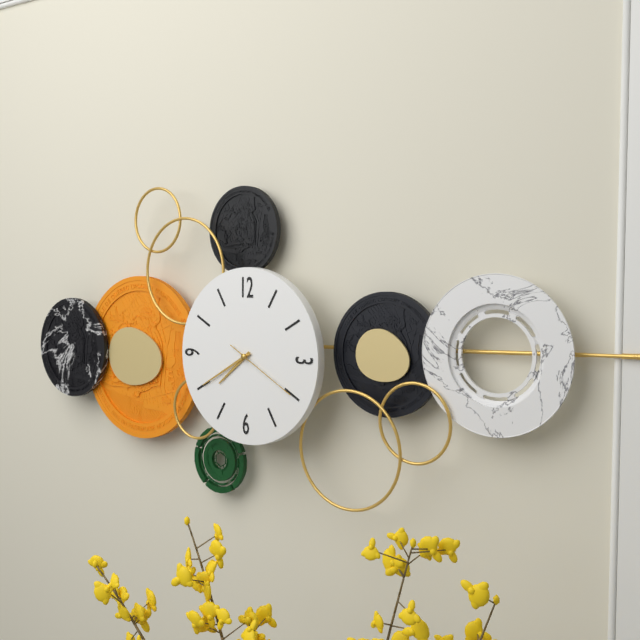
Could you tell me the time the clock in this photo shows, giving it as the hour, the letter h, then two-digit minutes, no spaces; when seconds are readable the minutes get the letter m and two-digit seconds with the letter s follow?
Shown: 7h40m20s
